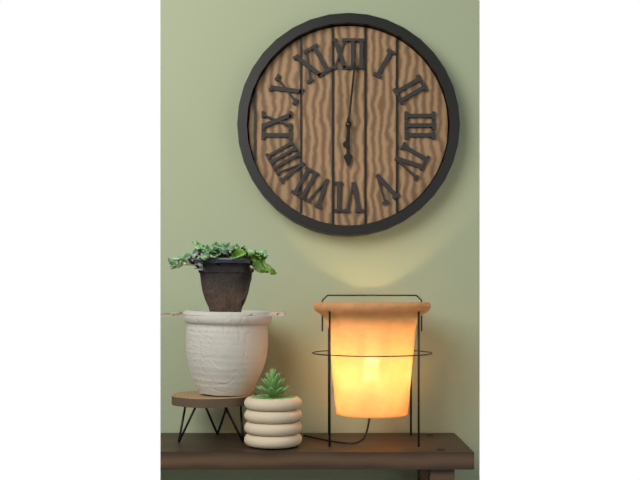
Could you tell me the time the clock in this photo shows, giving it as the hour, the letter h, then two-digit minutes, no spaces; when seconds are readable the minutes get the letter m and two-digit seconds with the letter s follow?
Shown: 6h01
